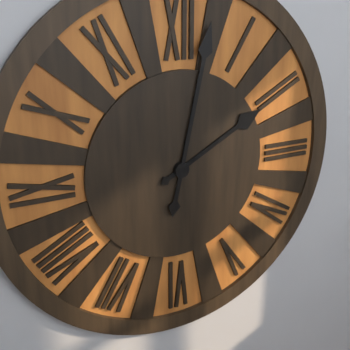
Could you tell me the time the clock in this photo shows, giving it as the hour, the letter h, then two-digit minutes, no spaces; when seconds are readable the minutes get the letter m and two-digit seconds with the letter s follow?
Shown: 2h02
